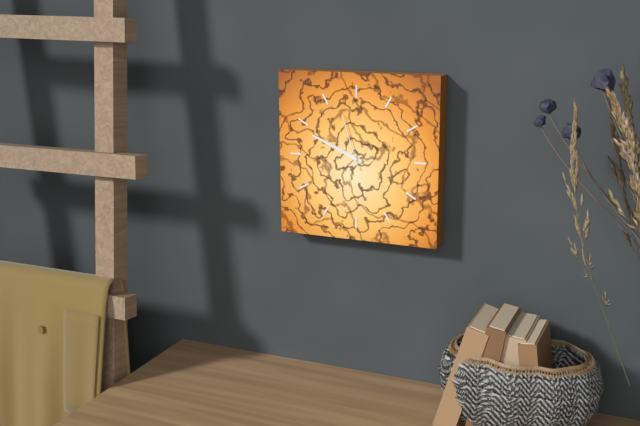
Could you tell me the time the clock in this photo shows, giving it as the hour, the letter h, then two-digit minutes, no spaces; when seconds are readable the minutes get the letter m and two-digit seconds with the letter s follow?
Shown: 9h49m57s
